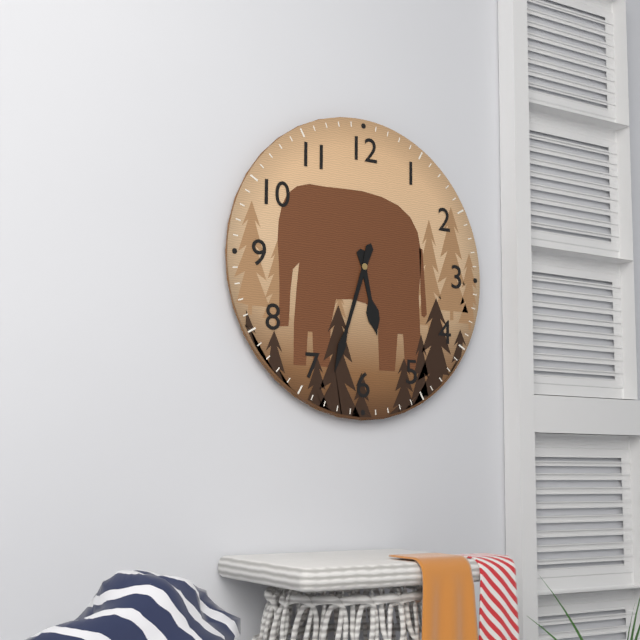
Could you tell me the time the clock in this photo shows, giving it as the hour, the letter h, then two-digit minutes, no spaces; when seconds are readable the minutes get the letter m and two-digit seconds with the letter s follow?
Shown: 5h33
